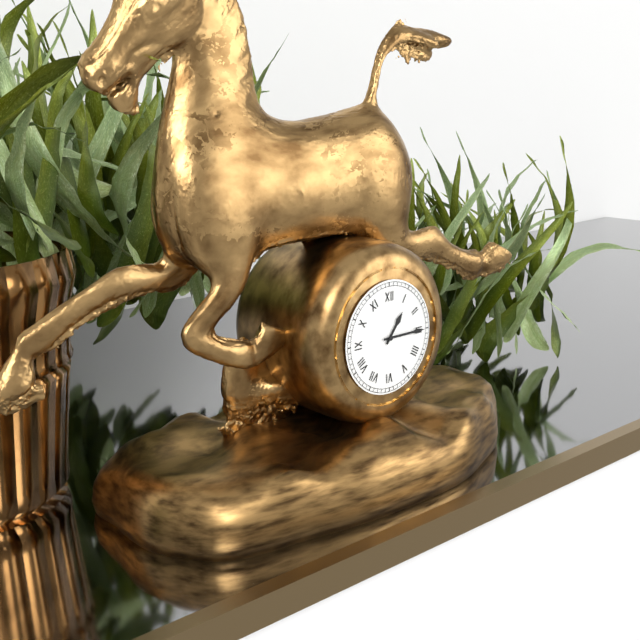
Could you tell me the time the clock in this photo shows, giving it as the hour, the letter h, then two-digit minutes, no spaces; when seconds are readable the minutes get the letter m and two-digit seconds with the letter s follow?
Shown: 1h15
